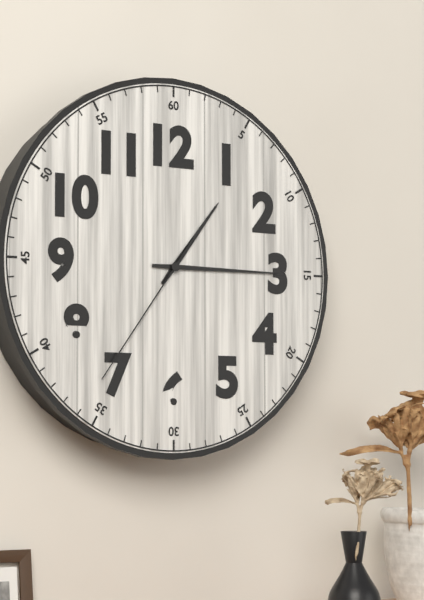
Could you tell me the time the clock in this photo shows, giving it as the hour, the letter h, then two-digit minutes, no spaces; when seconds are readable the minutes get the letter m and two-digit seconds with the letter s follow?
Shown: 1h15m36s
